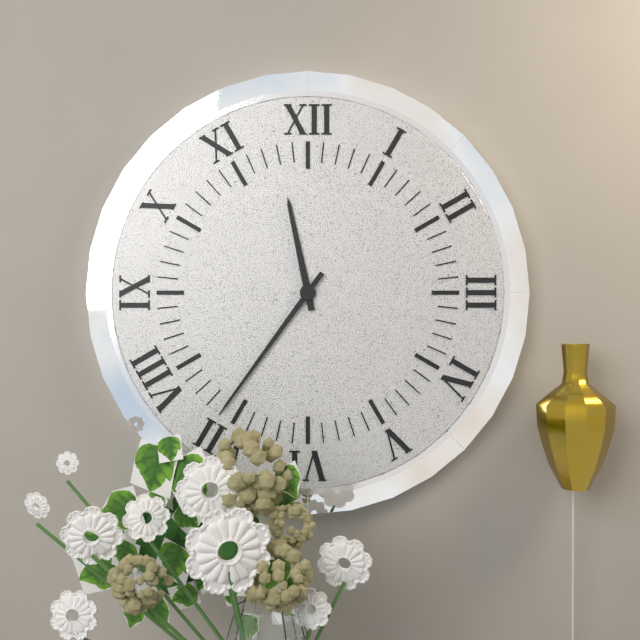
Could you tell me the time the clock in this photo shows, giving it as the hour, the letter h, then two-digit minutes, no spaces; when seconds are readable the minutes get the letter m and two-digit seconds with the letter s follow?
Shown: 11h36
